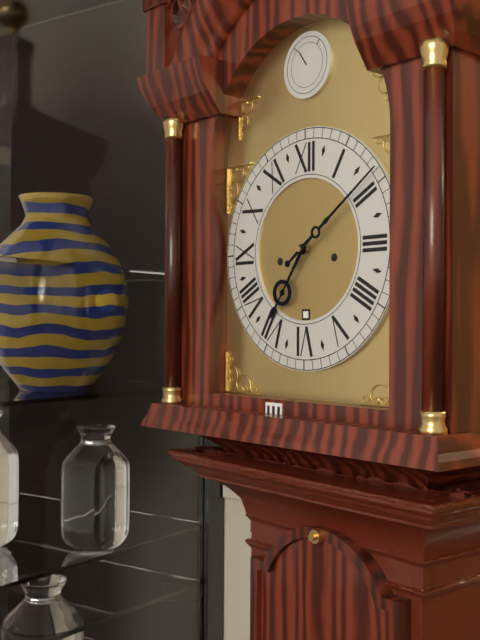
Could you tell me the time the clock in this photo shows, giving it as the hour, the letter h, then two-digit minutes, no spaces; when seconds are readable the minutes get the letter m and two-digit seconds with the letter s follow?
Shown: 7h09
